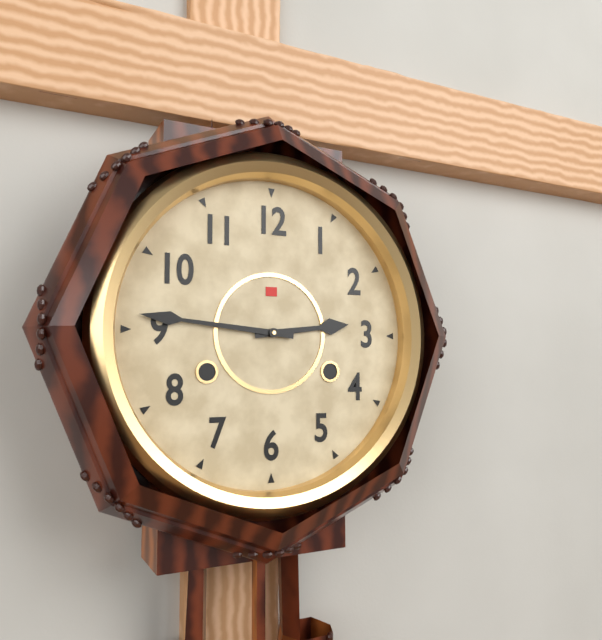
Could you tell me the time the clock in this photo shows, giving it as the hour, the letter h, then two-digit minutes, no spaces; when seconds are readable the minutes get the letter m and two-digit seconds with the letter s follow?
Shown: 2h46
